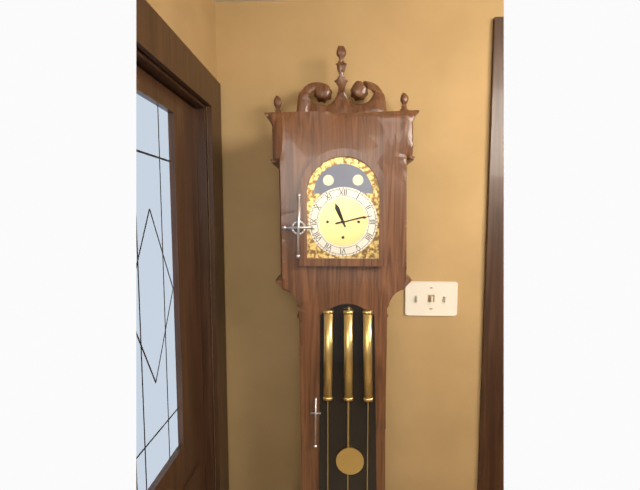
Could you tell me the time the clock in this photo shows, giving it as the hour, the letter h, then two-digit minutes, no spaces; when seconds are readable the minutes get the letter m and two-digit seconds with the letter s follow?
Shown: 11h13
